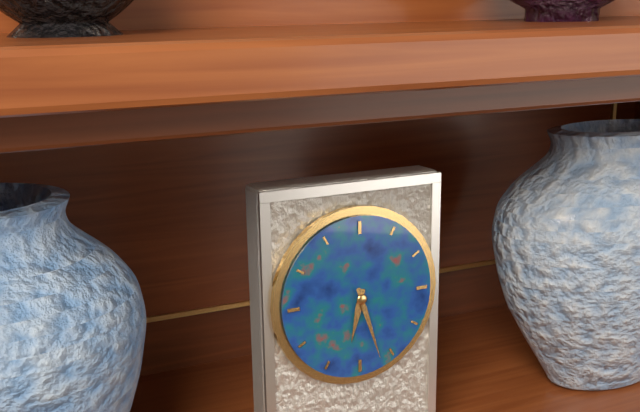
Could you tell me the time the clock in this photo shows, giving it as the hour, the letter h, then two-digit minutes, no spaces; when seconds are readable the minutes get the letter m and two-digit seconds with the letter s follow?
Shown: 6h27
